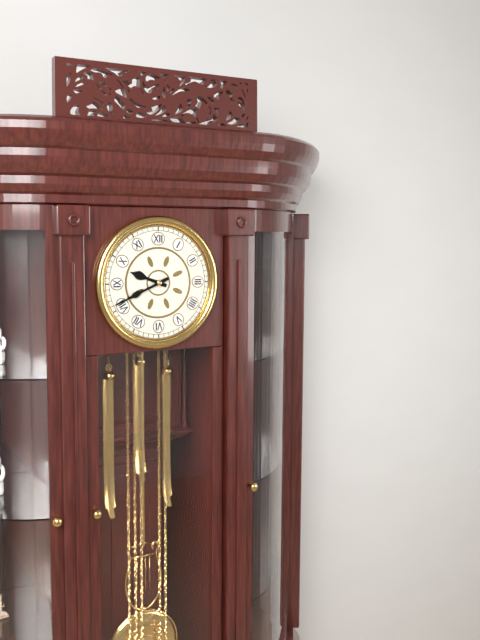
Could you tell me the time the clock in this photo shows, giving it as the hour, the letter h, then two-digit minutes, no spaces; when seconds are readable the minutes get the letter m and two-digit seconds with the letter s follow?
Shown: 9h41
